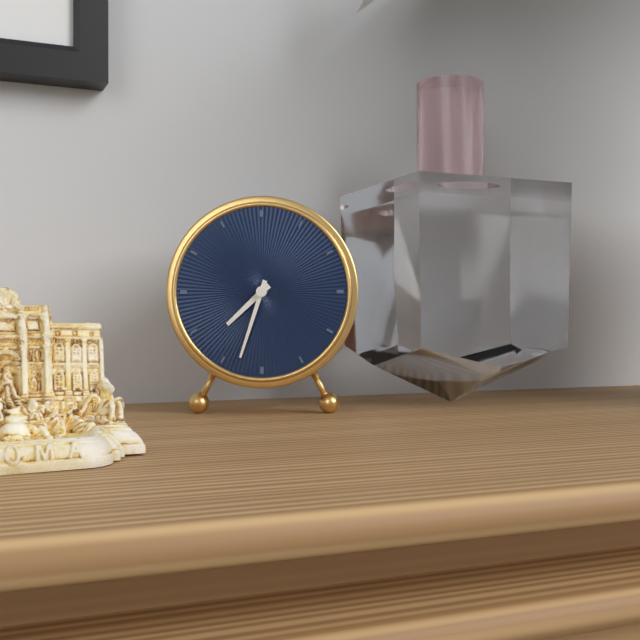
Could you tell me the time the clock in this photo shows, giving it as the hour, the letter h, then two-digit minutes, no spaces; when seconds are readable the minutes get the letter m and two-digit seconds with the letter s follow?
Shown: 7h33
